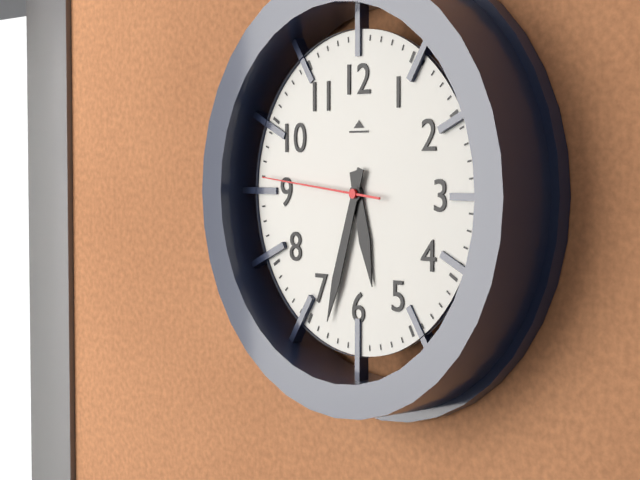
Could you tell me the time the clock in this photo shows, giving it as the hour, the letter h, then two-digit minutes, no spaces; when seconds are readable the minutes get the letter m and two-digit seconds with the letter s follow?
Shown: 5h33m46s
